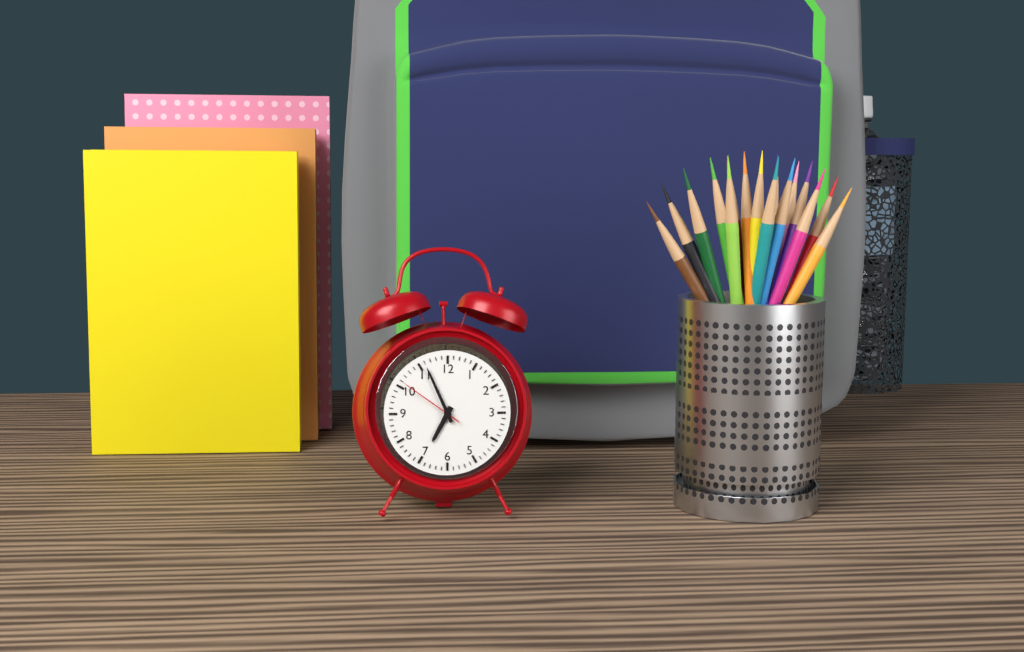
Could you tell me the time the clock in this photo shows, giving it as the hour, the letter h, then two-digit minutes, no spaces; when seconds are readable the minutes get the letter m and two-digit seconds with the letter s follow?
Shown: 6h56m51s
